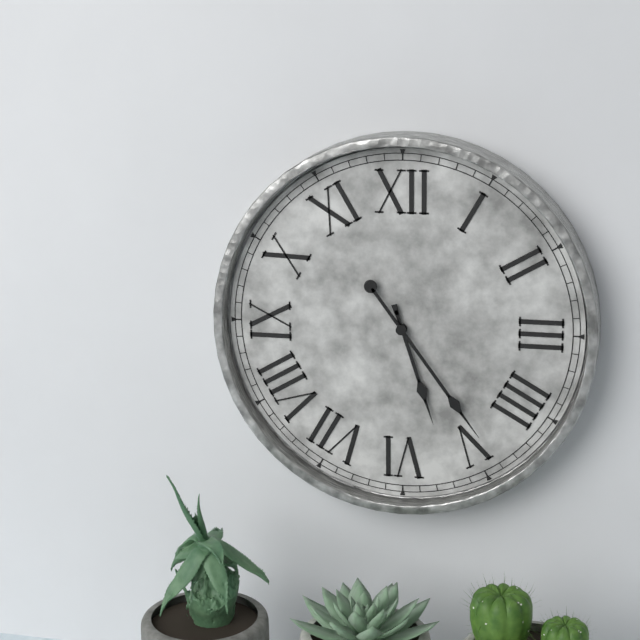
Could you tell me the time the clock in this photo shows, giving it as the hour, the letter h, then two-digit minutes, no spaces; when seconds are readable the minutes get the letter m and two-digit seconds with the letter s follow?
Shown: 5h24
